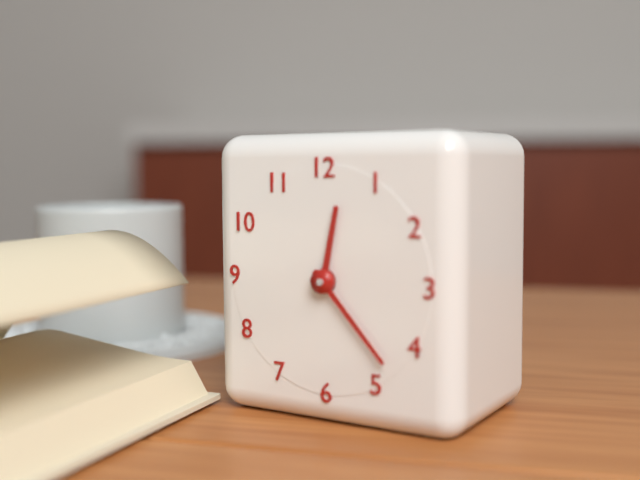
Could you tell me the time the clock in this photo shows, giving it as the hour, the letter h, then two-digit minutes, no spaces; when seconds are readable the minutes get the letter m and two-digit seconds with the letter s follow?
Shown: 12h23
